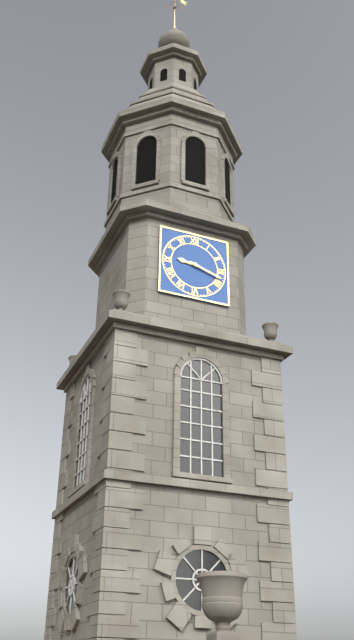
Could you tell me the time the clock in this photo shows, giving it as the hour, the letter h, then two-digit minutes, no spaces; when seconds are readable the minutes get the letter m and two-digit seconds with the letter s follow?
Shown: 9h18
